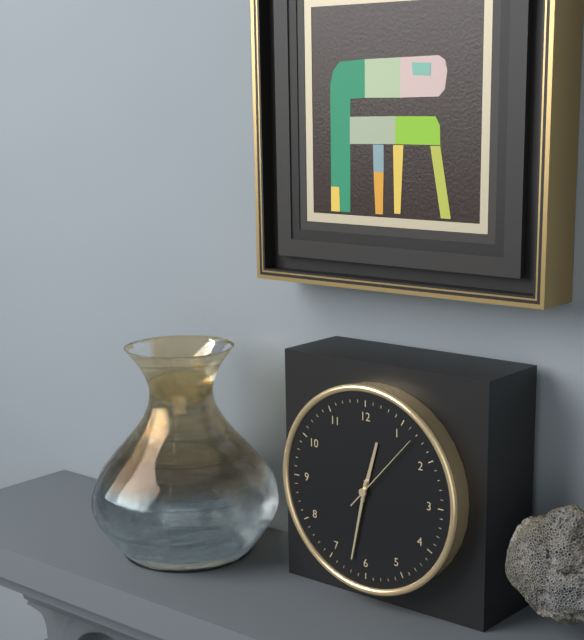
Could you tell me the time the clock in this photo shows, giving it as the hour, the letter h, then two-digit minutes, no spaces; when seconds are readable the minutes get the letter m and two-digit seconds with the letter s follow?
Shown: 12h32m07s
